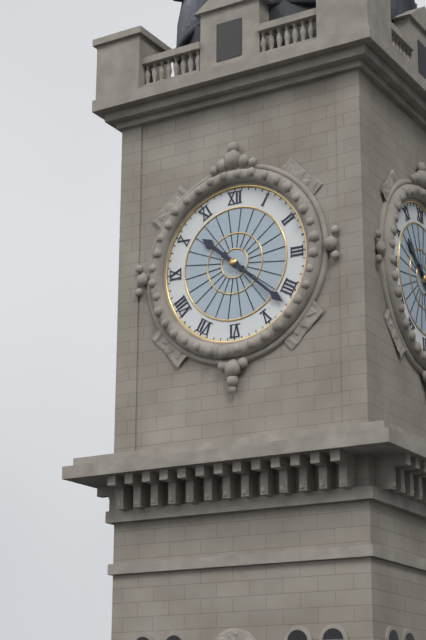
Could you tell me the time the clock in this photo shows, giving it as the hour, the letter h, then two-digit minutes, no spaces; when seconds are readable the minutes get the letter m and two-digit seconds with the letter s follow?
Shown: 10h22
